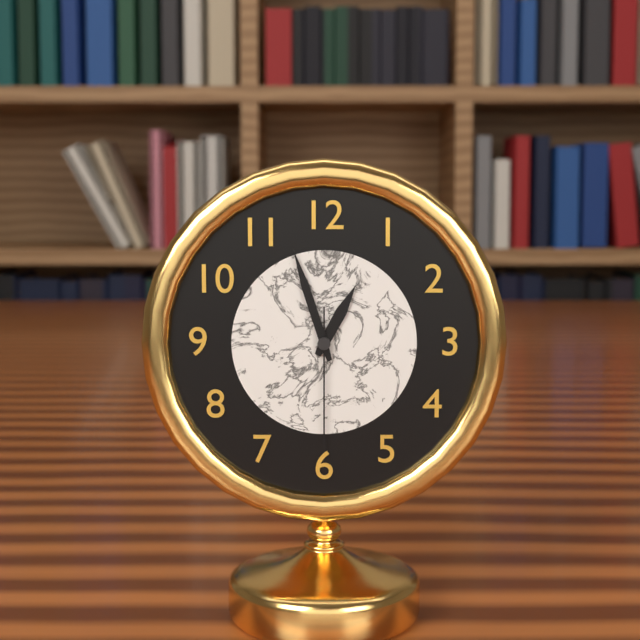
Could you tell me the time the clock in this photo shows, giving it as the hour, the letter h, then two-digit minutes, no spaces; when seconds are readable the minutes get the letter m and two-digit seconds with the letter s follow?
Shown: 12h57m30s
